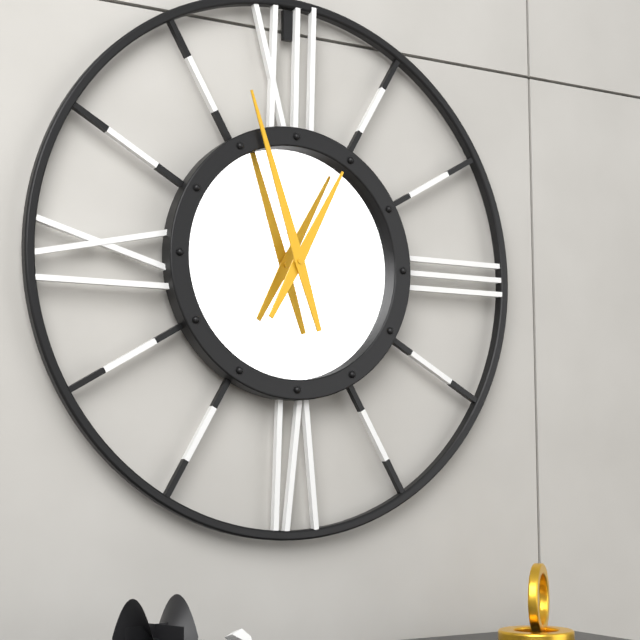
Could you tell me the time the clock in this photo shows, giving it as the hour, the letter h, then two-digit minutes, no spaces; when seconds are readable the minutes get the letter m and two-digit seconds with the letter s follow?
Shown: 12h57
